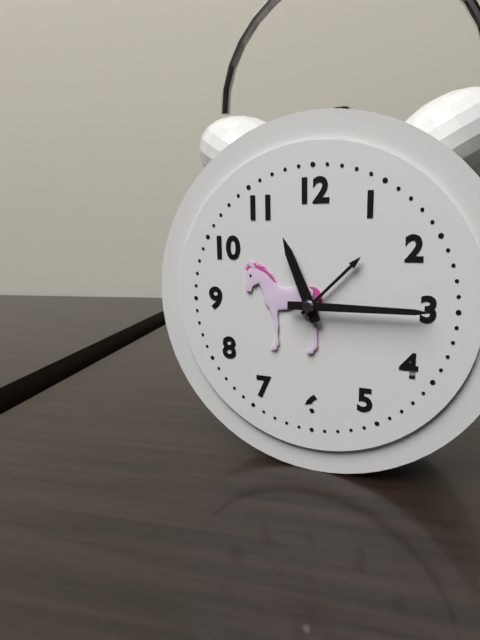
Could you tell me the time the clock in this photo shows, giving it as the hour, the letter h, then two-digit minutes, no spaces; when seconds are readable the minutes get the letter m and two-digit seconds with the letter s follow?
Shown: 11h15
